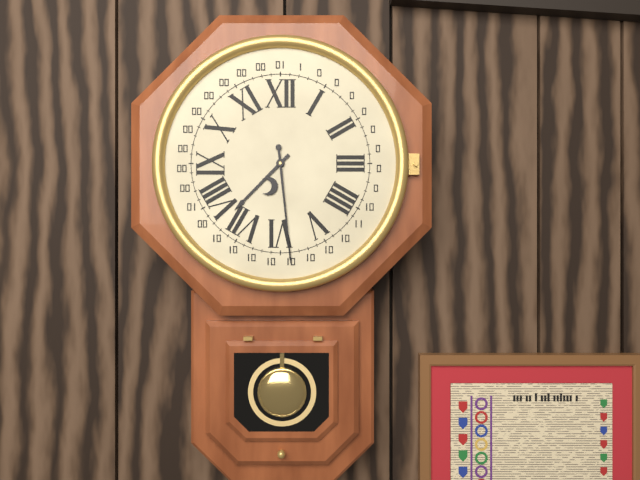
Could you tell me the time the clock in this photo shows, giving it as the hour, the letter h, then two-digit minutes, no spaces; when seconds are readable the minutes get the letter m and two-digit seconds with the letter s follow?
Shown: 7h29
